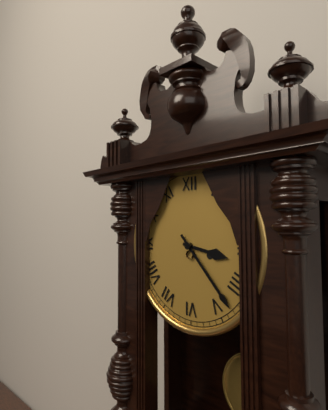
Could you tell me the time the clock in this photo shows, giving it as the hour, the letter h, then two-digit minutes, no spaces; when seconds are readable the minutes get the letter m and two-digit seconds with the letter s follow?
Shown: 3h23
